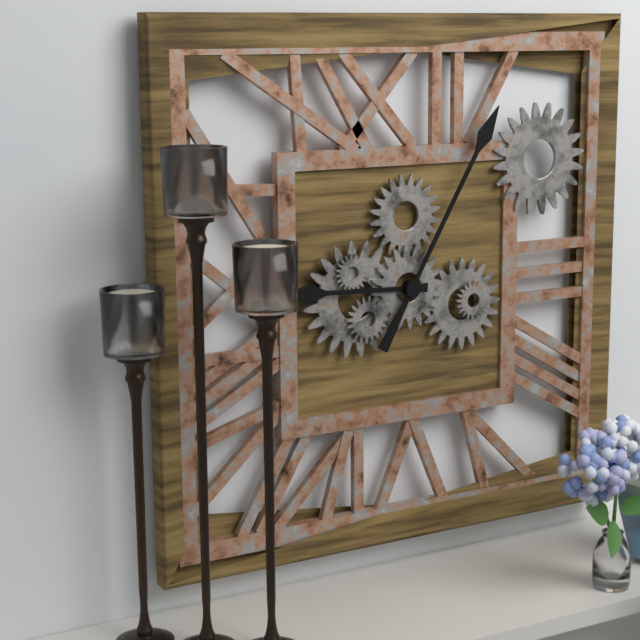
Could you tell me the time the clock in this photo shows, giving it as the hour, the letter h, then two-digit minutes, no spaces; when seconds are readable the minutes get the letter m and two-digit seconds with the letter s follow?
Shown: 9h05
